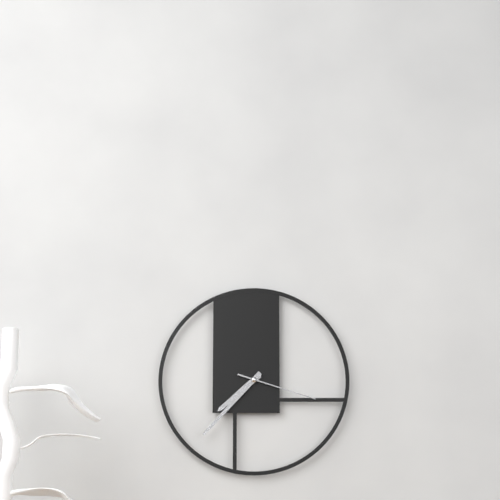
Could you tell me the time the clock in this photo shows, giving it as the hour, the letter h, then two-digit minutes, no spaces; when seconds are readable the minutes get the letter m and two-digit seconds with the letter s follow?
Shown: 7h37m18s
